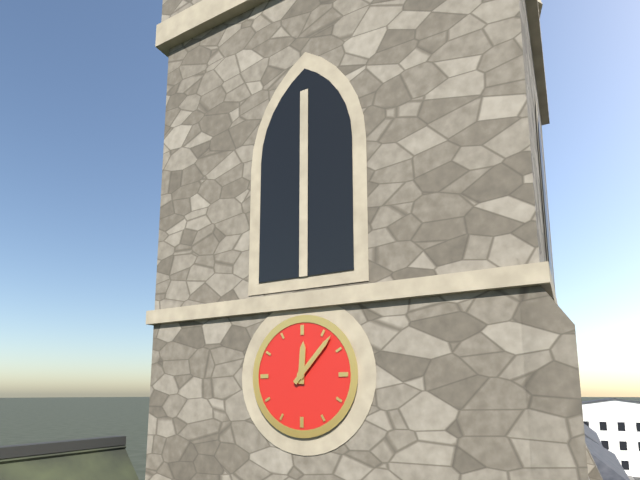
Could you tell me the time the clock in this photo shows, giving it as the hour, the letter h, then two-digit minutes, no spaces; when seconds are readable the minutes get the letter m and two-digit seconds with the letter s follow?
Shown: 12h07
